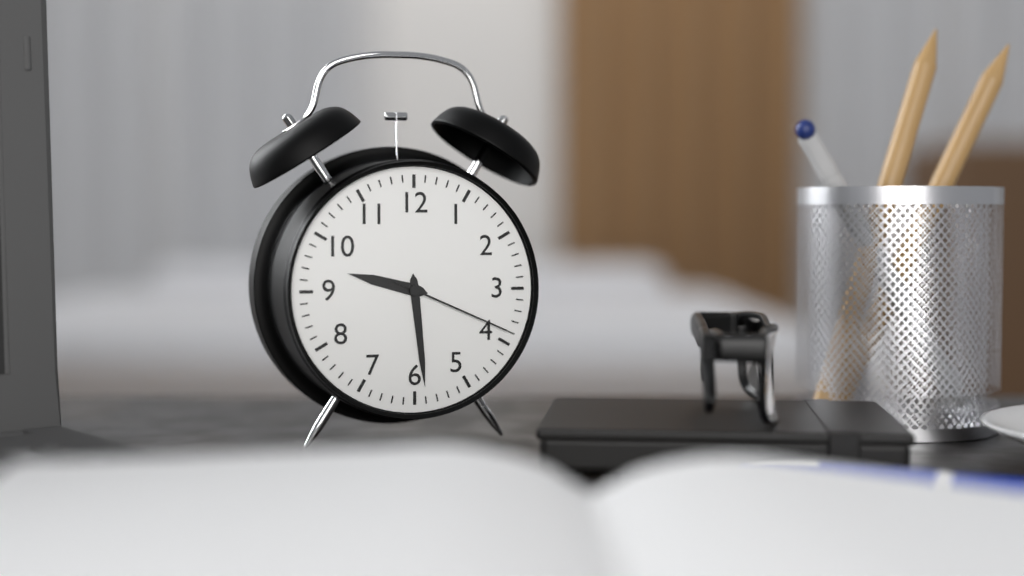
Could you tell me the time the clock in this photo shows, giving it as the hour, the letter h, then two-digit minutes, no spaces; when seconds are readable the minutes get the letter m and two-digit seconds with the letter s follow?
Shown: 9h29m19s
